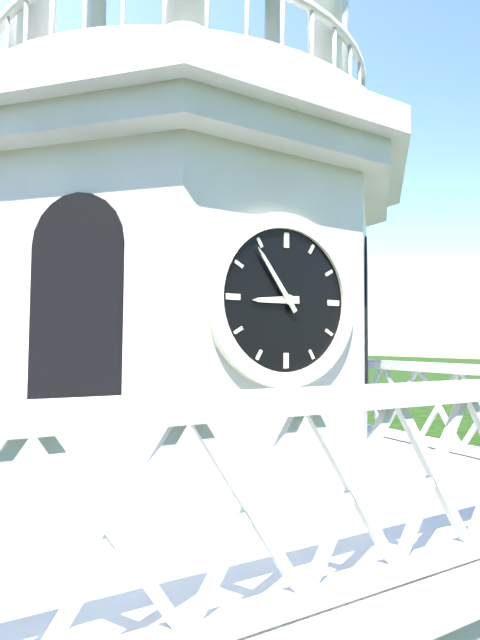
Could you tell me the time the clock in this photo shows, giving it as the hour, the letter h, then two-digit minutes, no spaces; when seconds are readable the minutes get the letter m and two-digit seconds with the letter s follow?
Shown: 8h54
